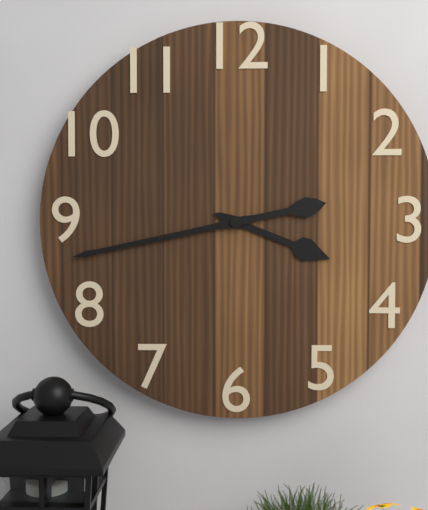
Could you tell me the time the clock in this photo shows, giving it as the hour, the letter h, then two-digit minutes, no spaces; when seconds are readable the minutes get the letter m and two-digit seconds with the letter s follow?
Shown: 3h43
